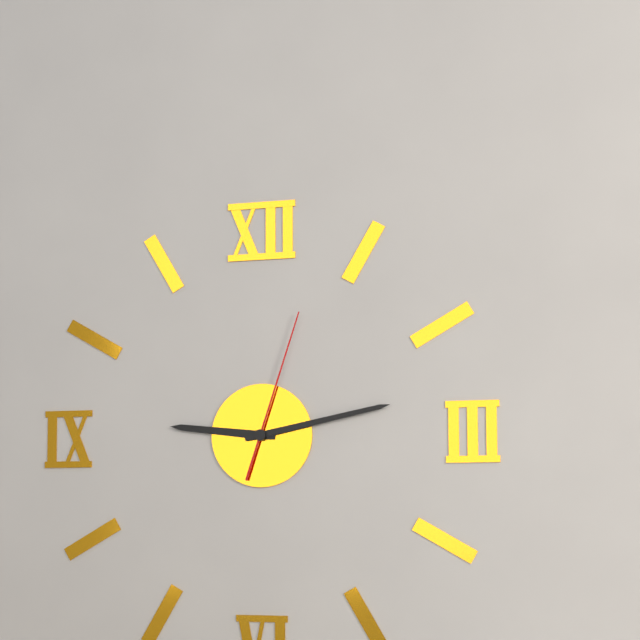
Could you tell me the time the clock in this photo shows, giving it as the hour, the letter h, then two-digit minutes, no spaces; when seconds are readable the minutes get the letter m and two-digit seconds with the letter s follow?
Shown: 9h13m03s
